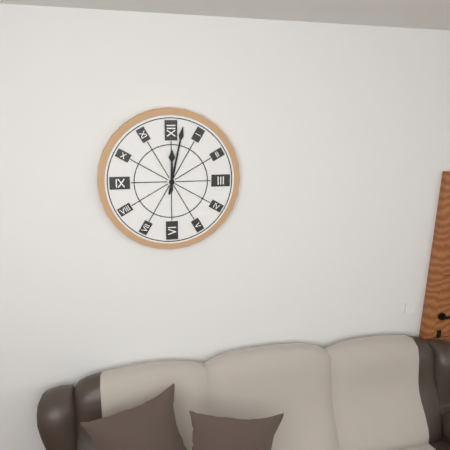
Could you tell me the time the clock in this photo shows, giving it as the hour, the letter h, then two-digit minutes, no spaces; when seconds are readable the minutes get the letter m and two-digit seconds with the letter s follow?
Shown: 12h02
